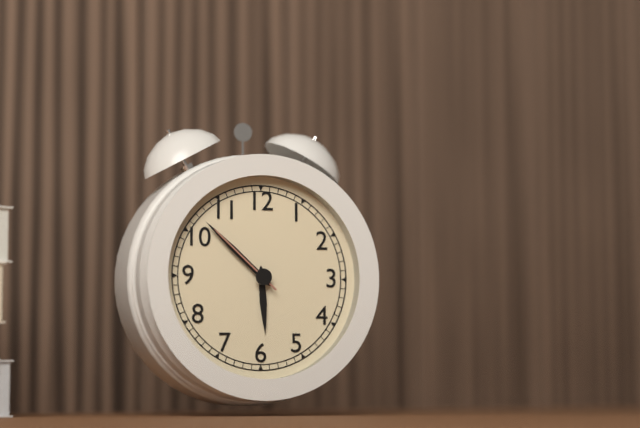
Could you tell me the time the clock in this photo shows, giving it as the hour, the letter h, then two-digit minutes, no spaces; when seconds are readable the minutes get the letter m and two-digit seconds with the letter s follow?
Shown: 5h52m52s
